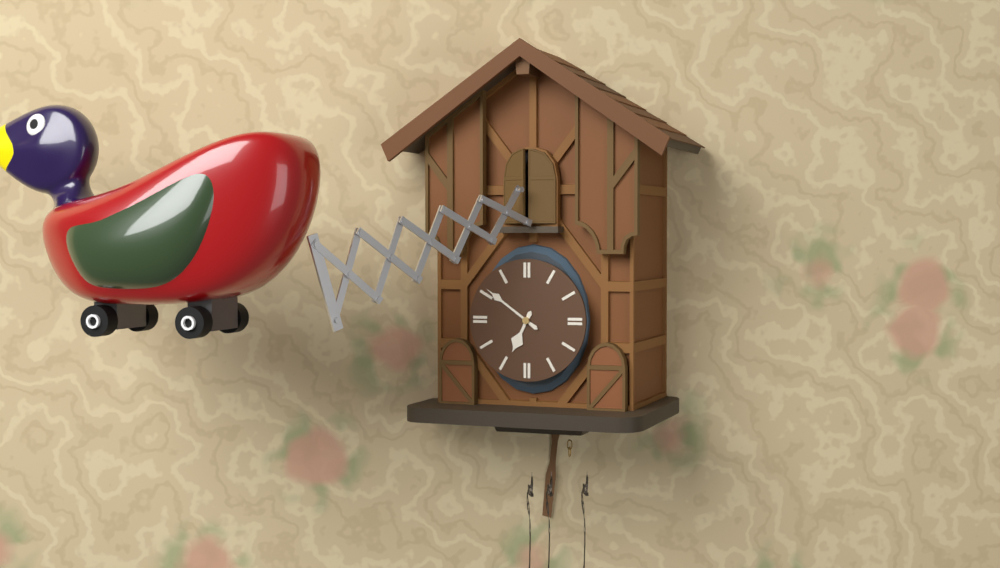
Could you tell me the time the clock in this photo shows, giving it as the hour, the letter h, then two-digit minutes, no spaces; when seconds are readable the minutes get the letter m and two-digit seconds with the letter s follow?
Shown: 6h51
